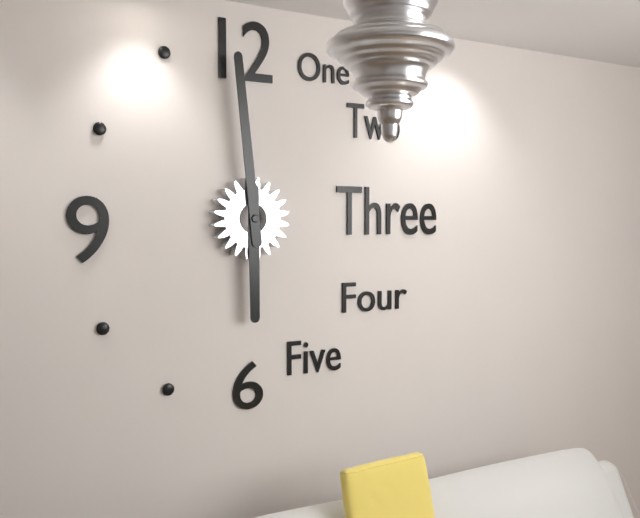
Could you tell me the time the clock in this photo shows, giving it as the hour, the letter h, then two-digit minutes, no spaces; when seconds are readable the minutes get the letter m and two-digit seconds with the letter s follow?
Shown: 5h59
